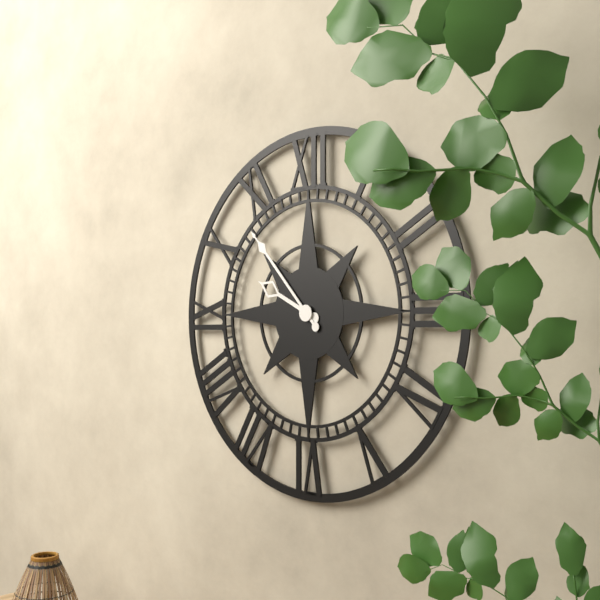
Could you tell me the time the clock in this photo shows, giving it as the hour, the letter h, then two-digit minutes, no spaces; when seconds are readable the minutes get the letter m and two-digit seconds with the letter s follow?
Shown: 9h53
